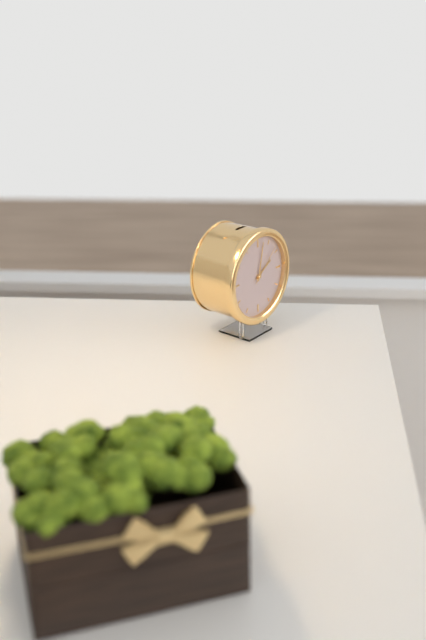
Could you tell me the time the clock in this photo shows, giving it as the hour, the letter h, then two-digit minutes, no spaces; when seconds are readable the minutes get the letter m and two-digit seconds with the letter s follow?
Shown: 2h02
